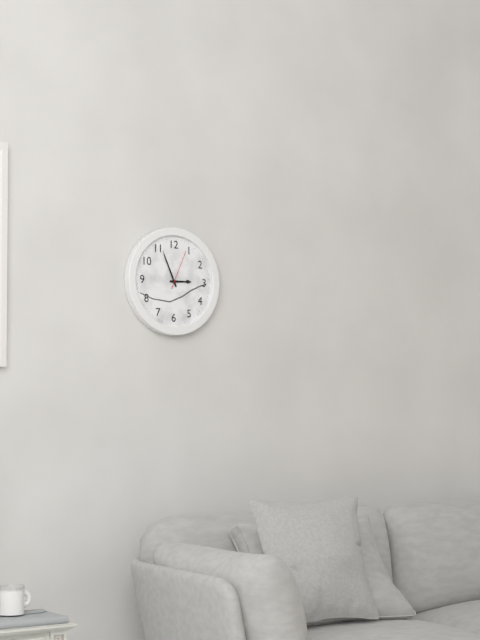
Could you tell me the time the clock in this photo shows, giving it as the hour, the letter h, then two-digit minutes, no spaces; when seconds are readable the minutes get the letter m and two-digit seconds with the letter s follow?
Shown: 2h56
